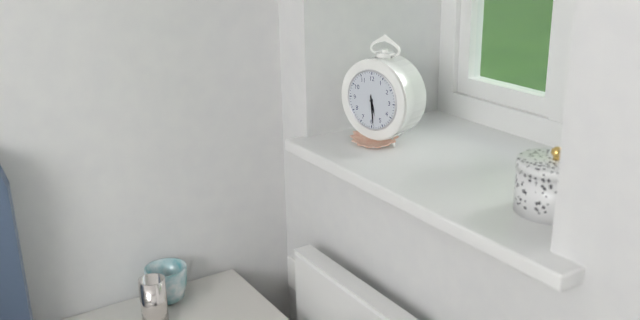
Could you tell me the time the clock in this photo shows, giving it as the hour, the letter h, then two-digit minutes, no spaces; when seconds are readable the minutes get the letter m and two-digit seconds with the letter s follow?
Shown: 5h29
